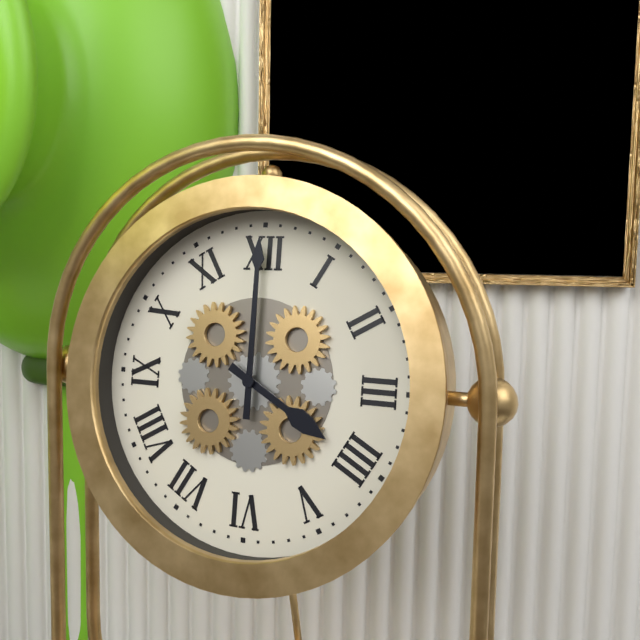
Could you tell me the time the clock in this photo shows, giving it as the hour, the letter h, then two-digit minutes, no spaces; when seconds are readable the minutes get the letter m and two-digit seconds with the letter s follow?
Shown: 4h00
